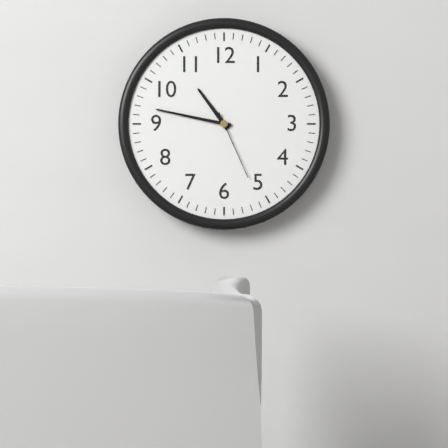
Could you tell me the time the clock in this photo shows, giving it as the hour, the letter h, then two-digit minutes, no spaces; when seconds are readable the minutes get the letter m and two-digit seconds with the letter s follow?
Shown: 10h47m26s
